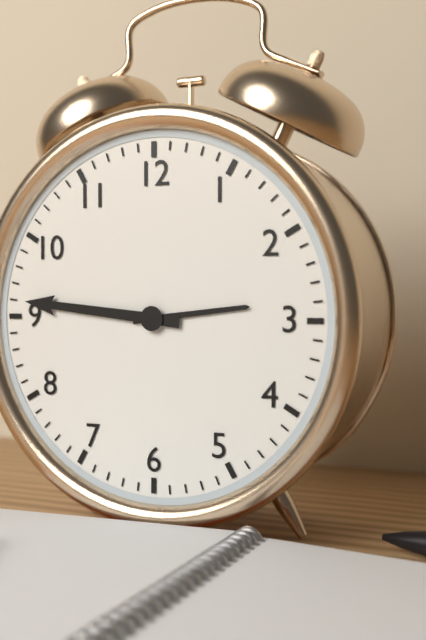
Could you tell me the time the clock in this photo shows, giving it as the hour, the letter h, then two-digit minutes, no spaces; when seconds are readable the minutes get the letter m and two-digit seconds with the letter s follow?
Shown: 2h46
